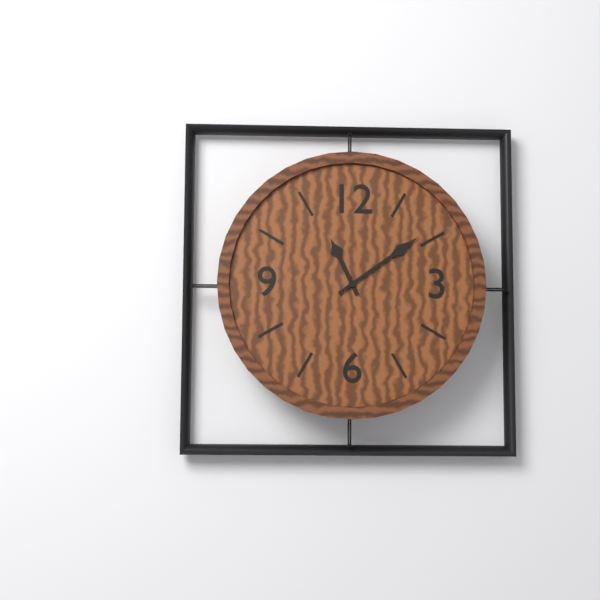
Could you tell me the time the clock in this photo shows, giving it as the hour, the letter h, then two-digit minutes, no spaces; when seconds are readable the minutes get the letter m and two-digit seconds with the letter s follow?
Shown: 11h09
